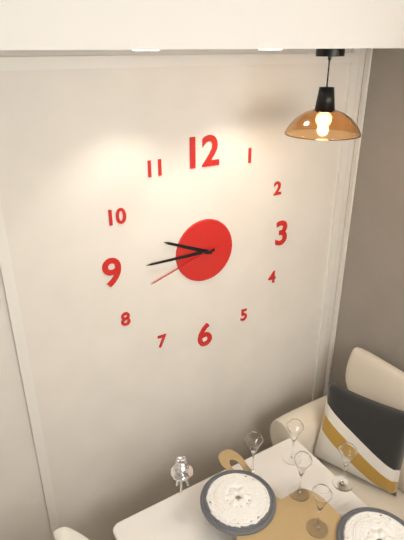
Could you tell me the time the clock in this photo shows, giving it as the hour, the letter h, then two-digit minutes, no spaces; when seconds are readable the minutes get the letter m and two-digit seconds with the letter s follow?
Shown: 9h45m42s
